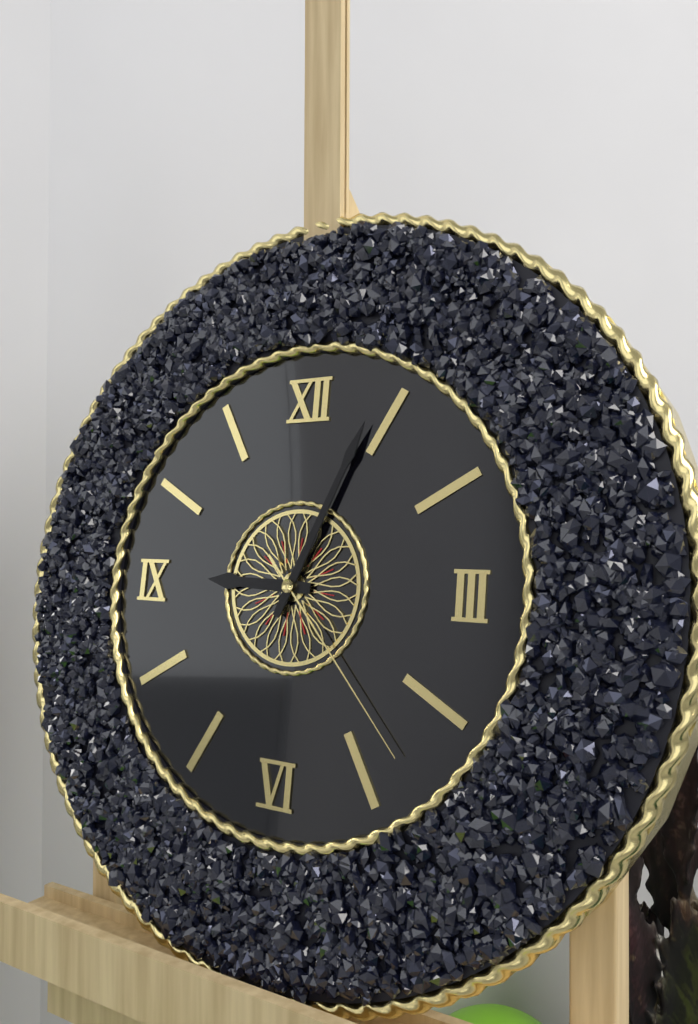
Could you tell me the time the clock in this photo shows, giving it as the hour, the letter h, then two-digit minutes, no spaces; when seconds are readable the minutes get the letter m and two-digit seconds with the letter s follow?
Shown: 9h04m23s
